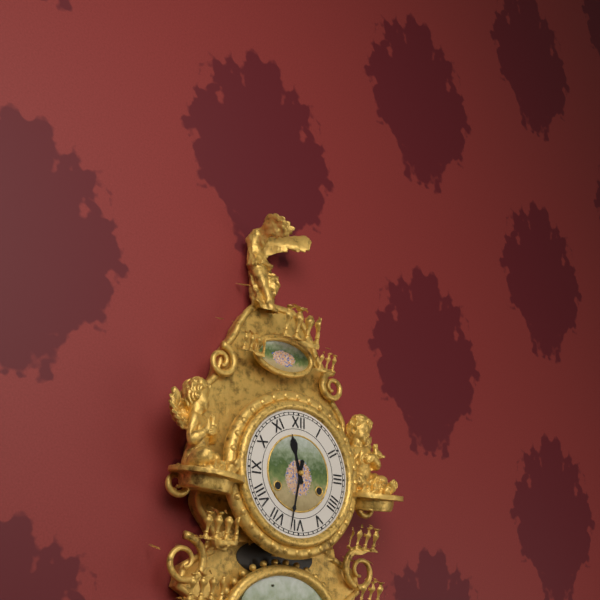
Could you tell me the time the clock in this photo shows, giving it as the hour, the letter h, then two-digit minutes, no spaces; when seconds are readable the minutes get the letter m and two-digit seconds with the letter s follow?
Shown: 11h32
